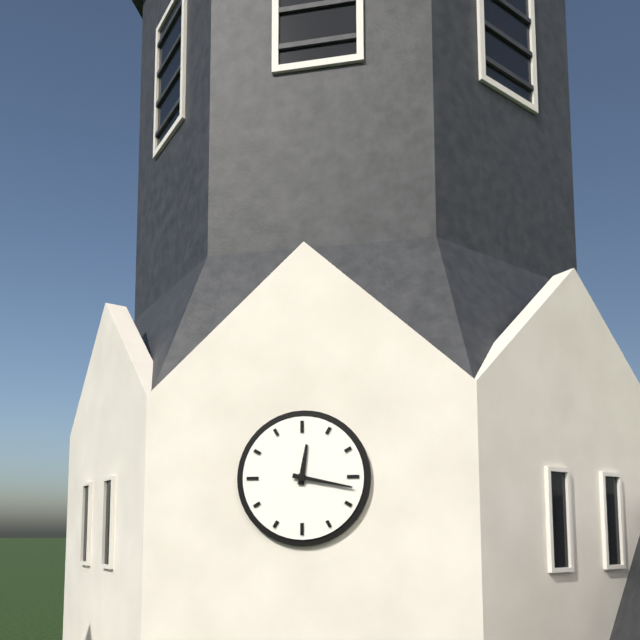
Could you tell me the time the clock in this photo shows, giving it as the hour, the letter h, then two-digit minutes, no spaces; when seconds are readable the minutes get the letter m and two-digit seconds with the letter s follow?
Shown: 12h17
